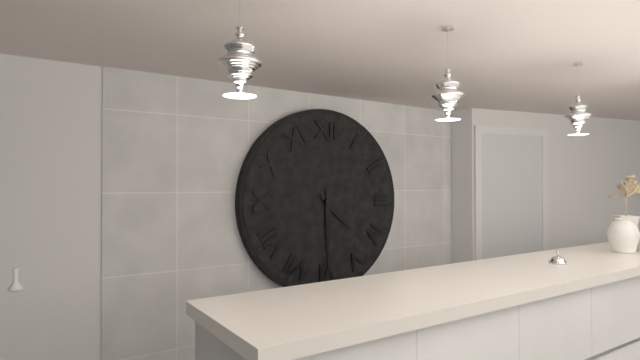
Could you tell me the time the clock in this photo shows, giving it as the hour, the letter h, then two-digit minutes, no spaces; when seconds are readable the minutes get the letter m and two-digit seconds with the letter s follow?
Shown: 4h30
